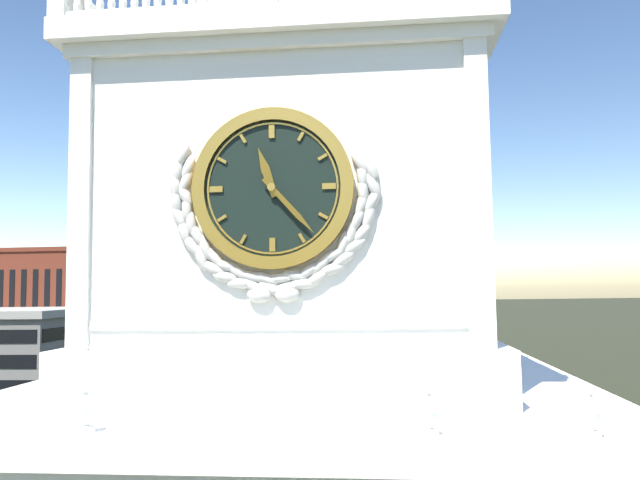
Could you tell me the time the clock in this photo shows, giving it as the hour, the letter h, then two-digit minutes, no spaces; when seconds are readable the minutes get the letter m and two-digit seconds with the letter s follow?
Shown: 11h23
